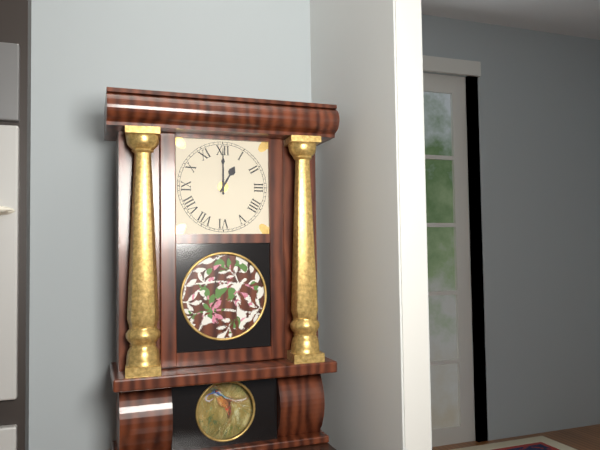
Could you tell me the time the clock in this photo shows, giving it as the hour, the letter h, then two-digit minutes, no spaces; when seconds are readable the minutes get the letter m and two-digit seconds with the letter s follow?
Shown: 1h00
